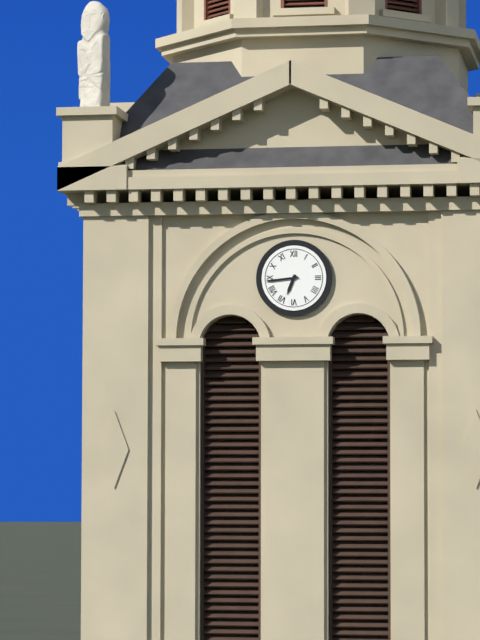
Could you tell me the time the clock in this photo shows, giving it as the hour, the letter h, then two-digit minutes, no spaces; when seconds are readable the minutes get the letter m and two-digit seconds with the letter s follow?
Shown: 6h44
